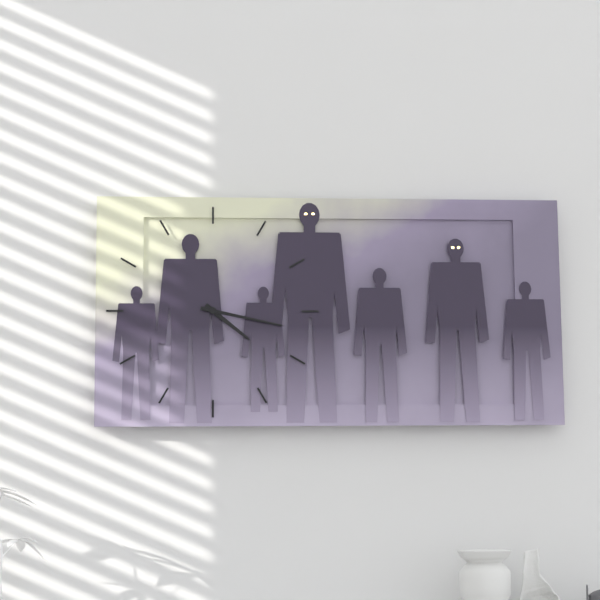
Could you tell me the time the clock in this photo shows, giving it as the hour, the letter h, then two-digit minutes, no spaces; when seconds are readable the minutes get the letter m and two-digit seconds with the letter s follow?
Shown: 4h17
